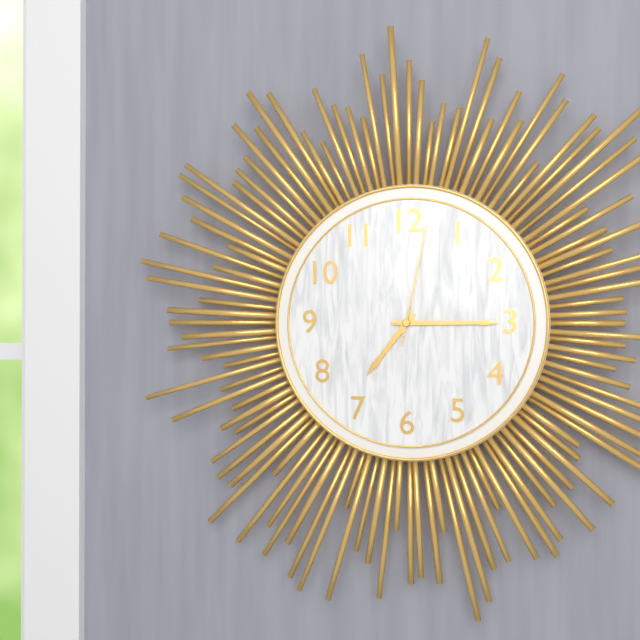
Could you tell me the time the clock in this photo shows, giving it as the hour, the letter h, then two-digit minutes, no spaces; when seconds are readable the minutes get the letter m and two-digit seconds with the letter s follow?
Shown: 7h15m02s
